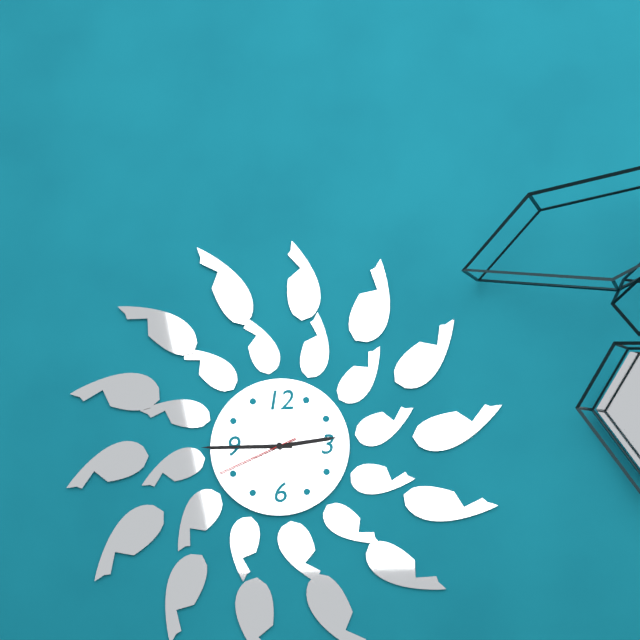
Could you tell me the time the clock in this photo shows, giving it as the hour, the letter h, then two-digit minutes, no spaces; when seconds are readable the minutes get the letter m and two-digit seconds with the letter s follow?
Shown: 2h45m41s
